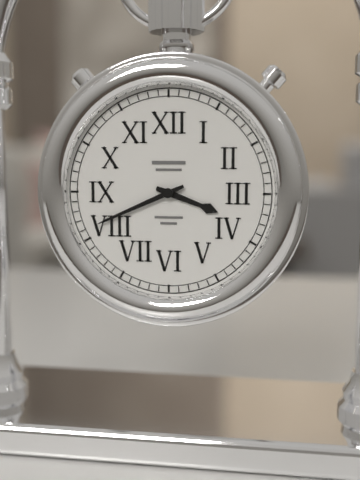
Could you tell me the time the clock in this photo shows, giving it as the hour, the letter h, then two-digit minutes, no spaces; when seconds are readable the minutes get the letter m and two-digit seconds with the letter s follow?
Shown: 3h41
